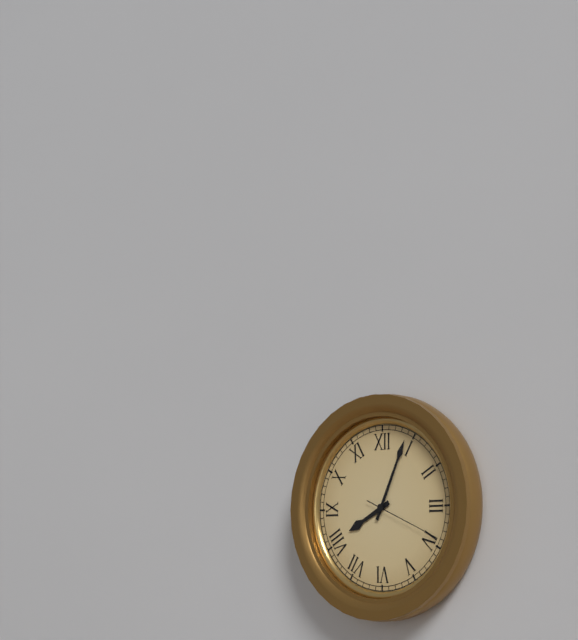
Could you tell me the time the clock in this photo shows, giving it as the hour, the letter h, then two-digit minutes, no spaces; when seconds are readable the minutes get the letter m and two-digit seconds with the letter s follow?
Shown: 8h04m19s
